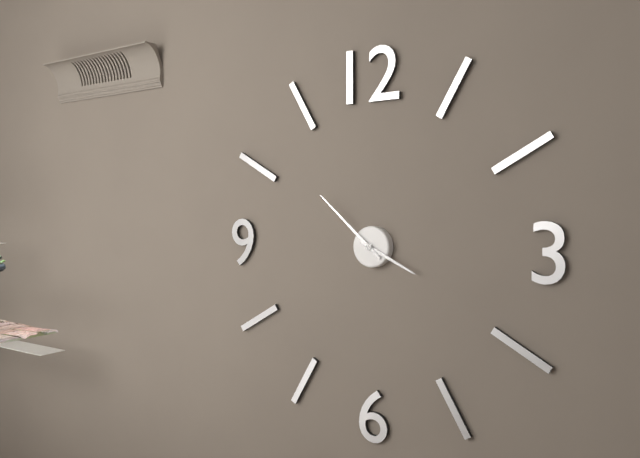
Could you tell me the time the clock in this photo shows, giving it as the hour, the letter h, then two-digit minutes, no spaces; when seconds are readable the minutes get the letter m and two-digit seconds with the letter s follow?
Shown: 3h52
